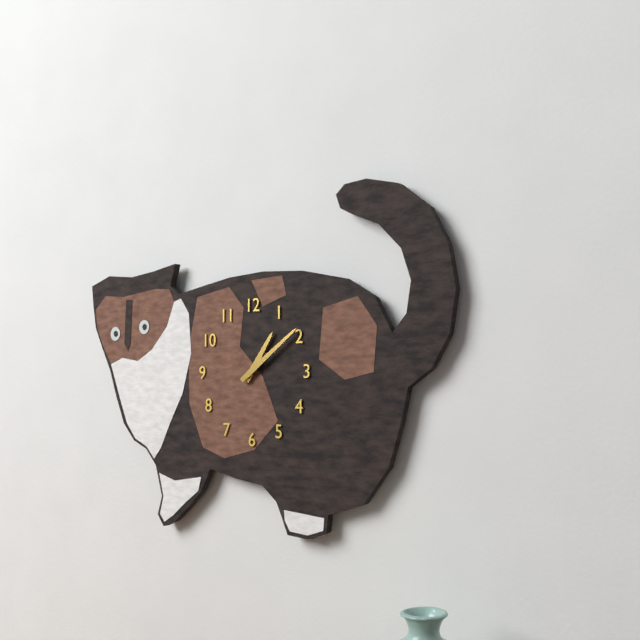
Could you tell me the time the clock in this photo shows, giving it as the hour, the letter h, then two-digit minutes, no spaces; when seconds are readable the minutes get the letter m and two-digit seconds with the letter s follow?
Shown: 1h09
